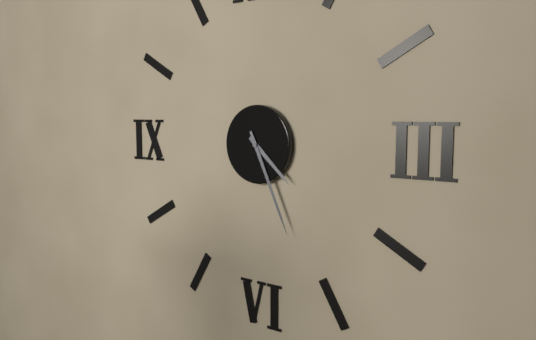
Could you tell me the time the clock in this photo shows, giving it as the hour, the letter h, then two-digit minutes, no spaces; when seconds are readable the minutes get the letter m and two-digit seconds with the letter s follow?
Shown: 4h26
